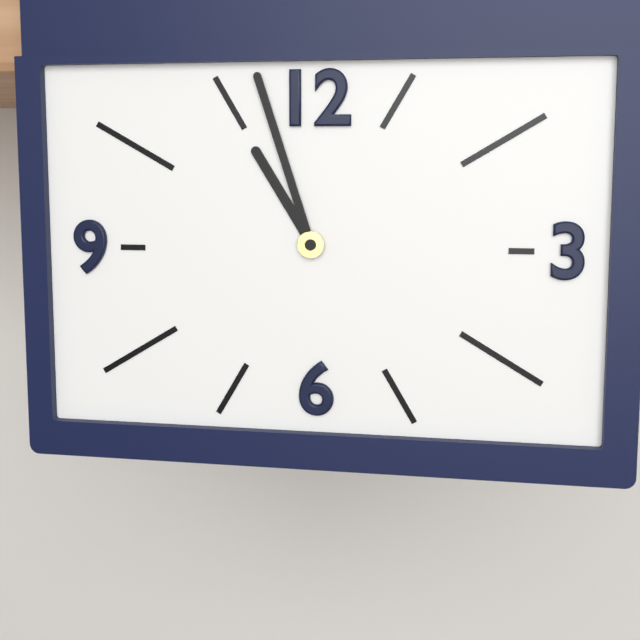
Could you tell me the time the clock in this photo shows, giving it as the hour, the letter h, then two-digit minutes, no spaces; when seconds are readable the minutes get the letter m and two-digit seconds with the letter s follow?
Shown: 10h57
